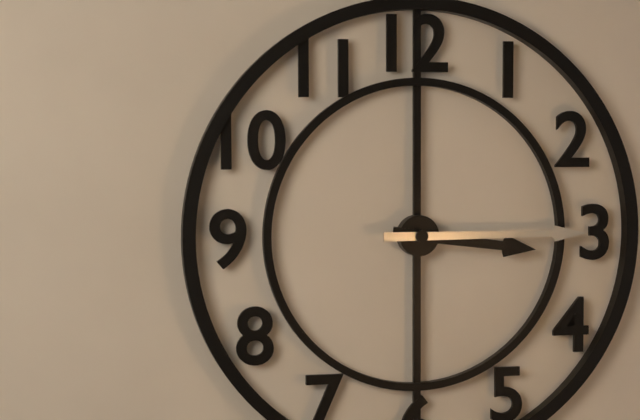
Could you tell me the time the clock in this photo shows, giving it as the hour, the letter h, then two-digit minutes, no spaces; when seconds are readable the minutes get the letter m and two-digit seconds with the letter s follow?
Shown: 3h15
